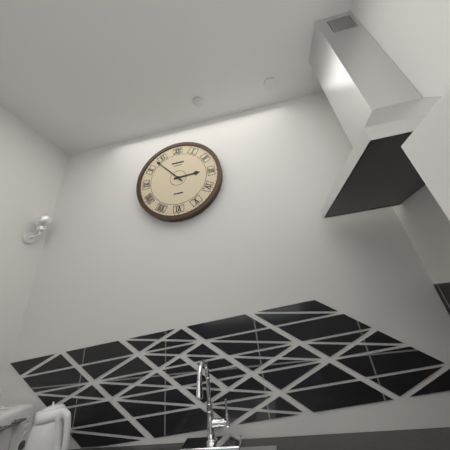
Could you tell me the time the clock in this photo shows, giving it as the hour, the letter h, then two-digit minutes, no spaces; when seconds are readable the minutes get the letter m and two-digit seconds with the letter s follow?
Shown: 2h53
